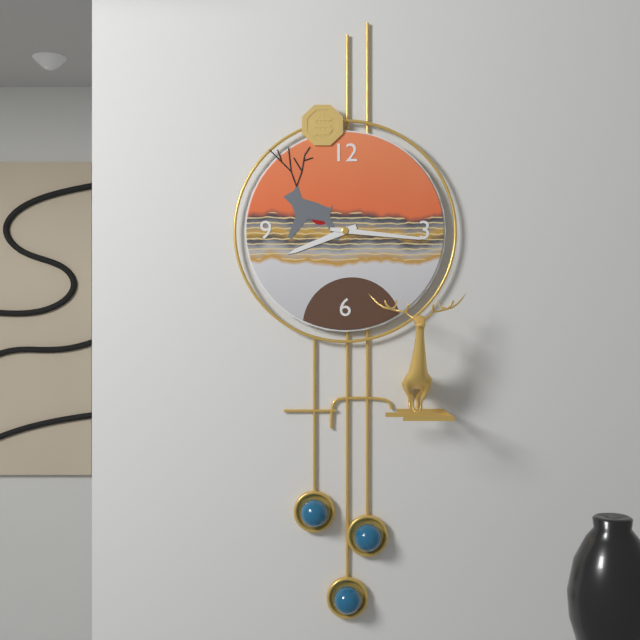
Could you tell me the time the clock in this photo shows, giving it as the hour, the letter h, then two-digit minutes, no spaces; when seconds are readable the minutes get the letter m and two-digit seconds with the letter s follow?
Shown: 8h16
